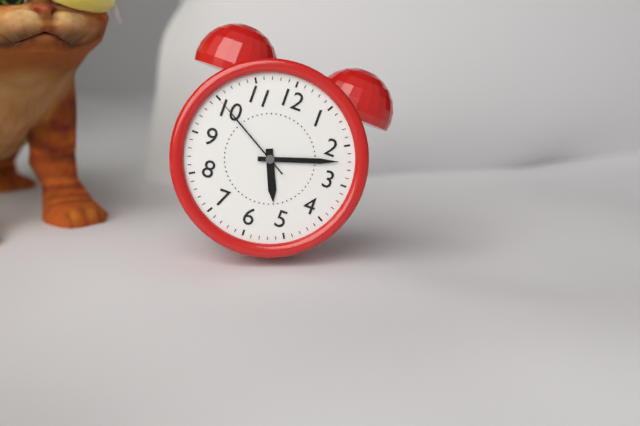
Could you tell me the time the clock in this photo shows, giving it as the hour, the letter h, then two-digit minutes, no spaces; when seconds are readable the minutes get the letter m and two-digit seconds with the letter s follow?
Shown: 5h12m50s
